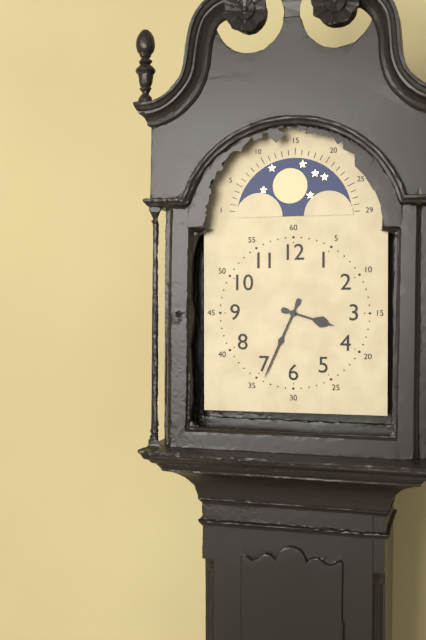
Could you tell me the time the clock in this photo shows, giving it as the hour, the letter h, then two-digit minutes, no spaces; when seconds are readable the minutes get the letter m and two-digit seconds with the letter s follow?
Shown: 3h34
